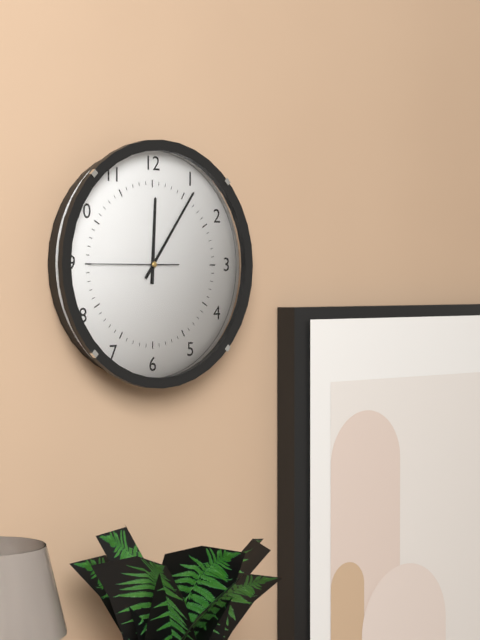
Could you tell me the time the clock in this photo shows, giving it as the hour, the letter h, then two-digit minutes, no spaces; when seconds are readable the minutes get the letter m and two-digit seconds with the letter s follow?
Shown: 12h06m45s
